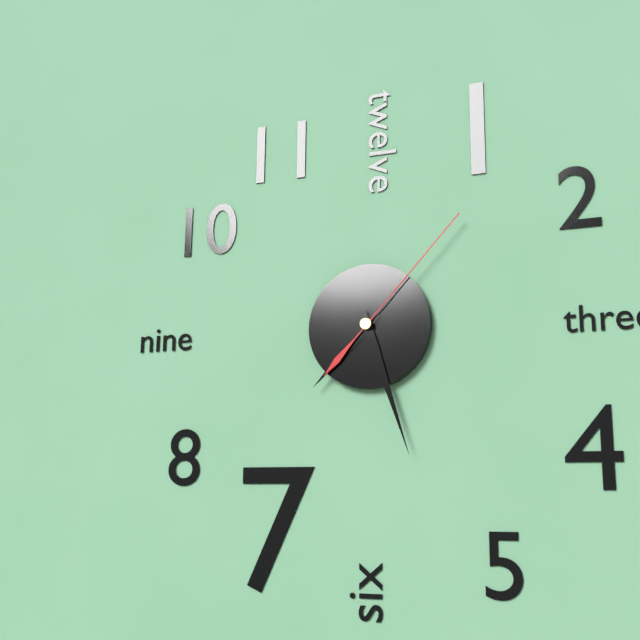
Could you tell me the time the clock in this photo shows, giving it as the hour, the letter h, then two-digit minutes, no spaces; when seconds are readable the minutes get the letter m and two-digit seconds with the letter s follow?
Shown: 7h27m07s
